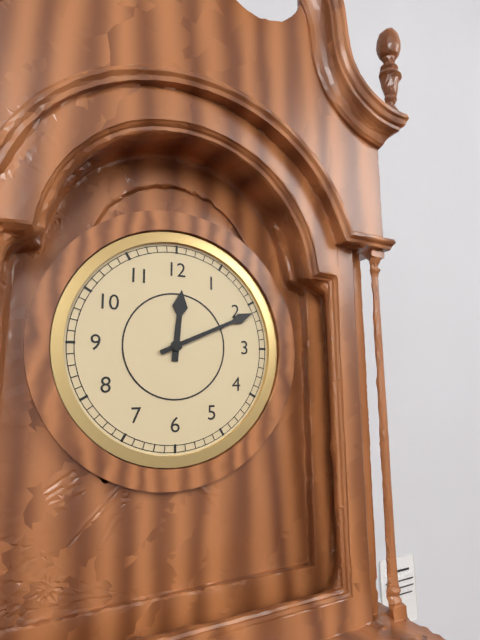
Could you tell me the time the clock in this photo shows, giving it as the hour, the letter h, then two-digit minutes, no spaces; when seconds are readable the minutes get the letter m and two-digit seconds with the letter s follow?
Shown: 12h11
